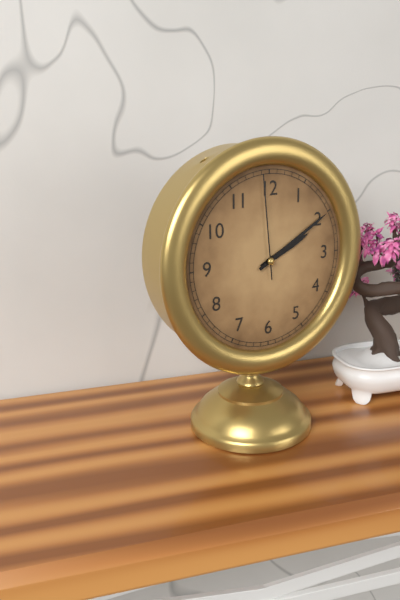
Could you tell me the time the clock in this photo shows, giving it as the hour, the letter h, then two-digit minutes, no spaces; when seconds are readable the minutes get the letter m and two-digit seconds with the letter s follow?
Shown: 2h10m59s
